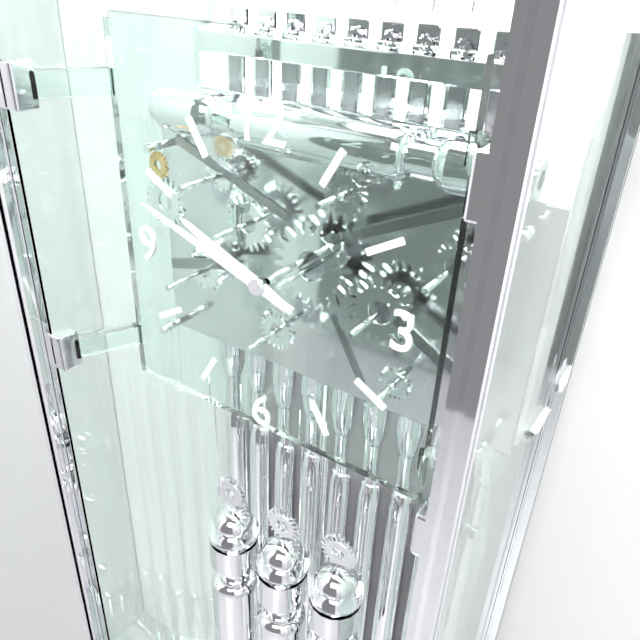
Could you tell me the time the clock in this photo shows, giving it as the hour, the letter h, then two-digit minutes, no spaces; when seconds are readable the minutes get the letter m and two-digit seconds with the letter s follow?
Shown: 9h48
